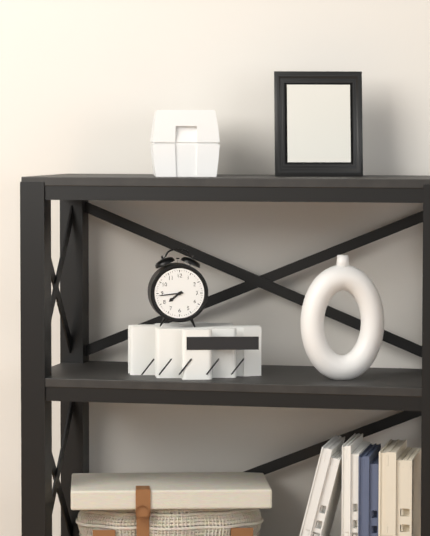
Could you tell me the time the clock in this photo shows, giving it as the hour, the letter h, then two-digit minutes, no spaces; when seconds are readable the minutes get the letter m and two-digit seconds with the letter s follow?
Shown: 7h44
